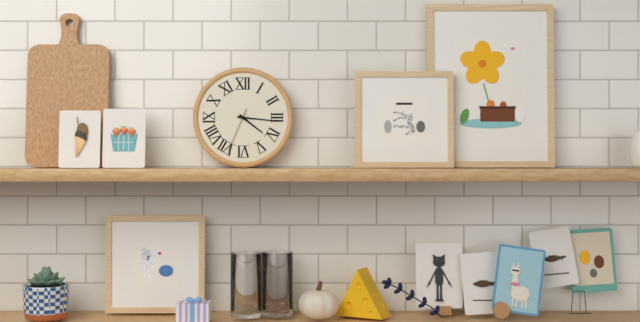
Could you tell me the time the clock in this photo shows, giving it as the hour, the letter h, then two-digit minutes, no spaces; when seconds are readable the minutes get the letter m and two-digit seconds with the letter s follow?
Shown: 4h16
